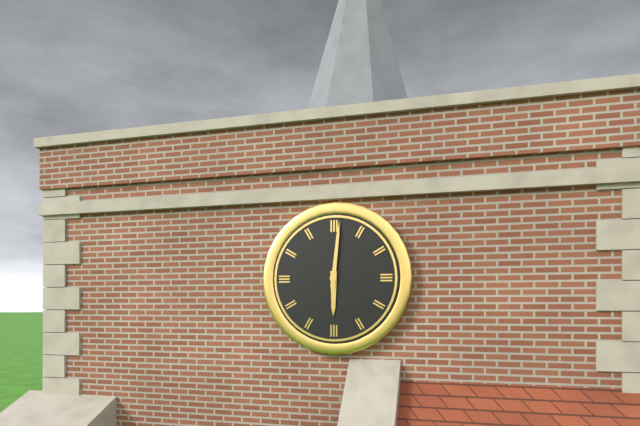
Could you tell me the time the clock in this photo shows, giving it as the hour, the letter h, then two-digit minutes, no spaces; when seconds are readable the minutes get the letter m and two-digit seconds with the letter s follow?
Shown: 6h01
